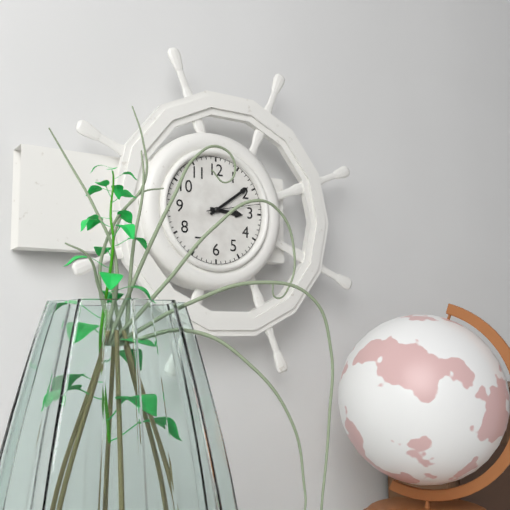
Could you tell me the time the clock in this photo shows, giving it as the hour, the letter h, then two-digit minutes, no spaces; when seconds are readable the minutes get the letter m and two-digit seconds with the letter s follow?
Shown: 3h09m13s
